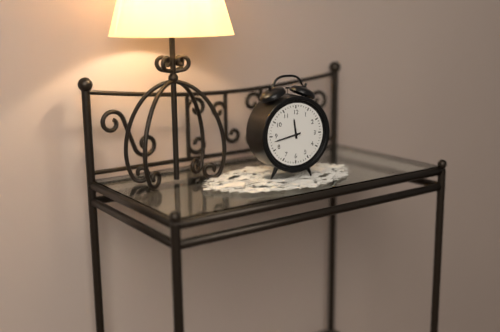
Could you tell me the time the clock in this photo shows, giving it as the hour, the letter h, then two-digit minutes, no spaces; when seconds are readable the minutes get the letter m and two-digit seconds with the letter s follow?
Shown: 11h43
